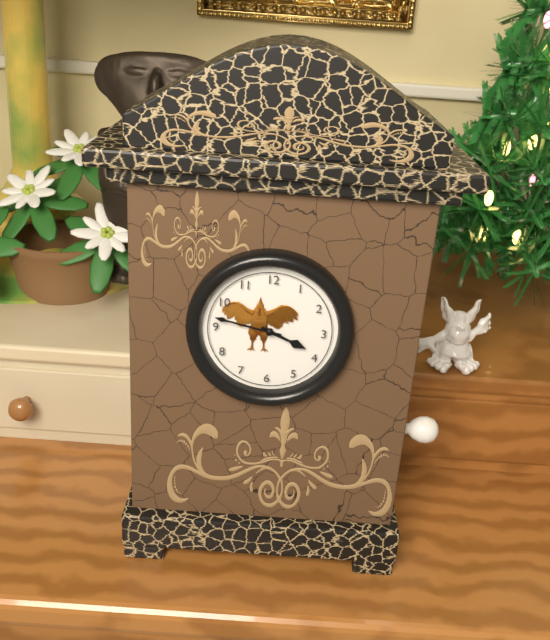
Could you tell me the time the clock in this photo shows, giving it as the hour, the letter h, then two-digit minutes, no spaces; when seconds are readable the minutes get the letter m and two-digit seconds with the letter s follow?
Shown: 3h47
